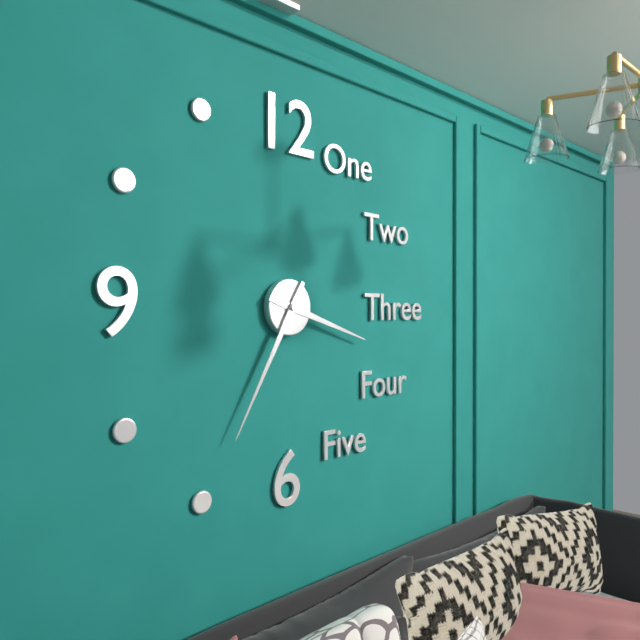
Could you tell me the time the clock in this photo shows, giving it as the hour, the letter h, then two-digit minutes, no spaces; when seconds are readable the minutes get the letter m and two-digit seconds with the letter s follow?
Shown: 3h35
